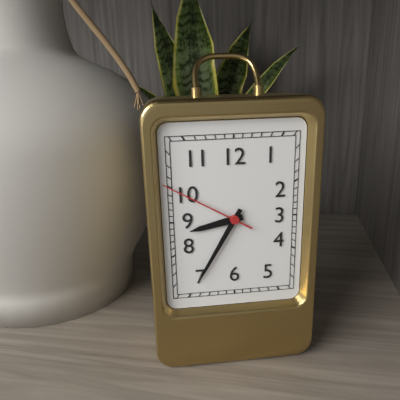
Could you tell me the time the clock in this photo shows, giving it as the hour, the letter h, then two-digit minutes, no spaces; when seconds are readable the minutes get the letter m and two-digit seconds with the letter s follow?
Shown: 8h35m50s
